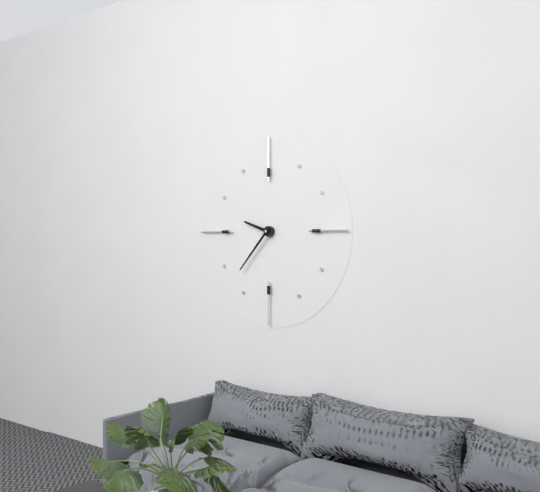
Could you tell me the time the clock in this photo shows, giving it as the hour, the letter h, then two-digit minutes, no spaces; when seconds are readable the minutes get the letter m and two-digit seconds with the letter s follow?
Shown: 9h37
